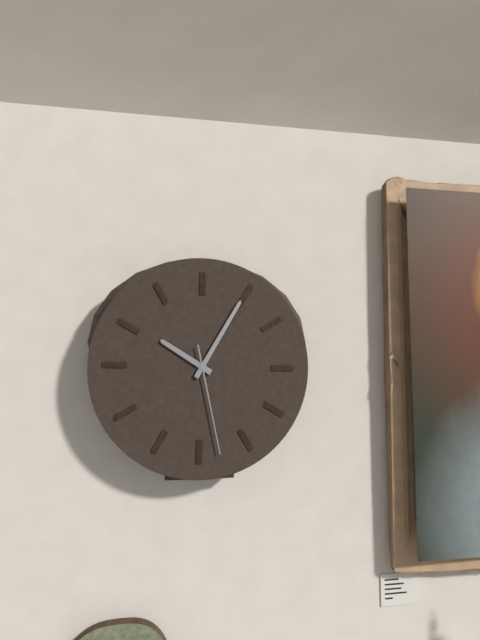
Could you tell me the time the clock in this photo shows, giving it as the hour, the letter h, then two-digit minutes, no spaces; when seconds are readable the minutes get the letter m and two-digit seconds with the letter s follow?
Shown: 10h05m28s
